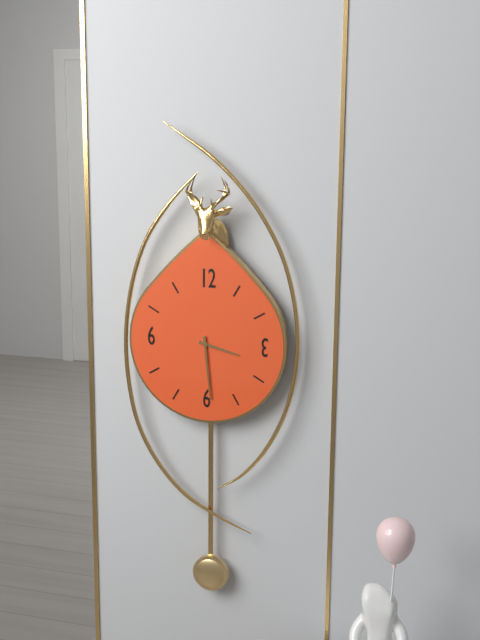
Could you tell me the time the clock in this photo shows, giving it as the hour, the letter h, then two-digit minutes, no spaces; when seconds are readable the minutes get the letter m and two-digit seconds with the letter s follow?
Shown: 3h29
